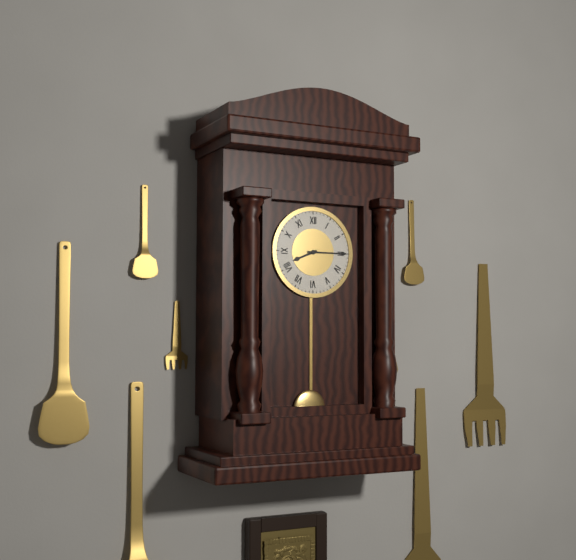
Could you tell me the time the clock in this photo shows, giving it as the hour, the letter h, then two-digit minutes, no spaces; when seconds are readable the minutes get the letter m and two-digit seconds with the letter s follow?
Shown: 8h15
